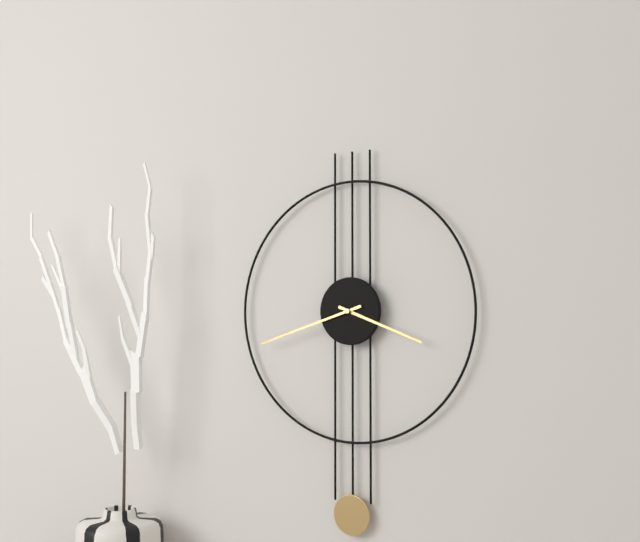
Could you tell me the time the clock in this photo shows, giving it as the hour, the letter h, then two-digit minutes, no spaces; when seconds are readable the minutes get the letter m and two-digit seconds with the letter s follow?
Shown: 3h42
